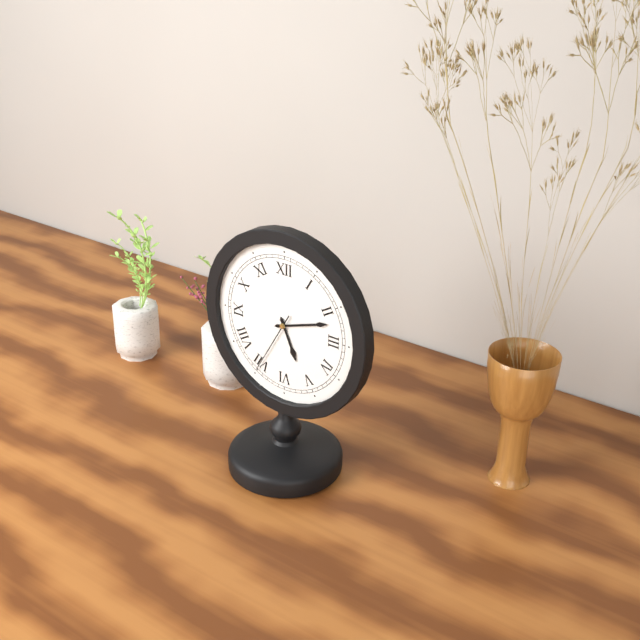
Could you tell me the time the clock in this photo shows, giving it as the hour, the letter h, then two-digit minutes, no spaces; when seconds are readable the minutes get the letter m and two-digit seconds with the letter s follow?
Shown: 5h12m35s
